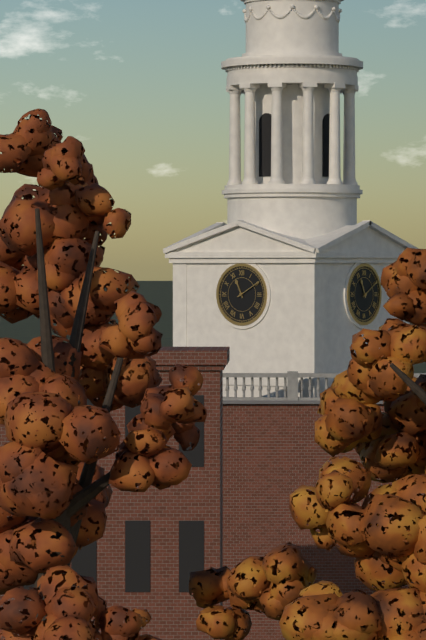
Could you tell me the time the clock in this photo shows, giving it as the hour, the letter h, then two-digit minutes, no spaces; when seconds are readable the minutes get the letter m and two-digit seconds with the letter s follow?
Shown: 11h10
